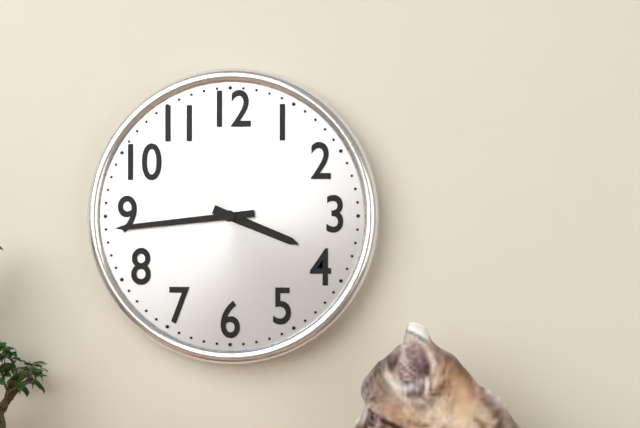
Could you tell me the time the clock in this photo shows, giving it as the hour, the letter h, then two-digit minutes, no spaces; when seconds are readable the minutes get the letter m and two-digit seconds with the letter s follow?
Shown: 3h44
